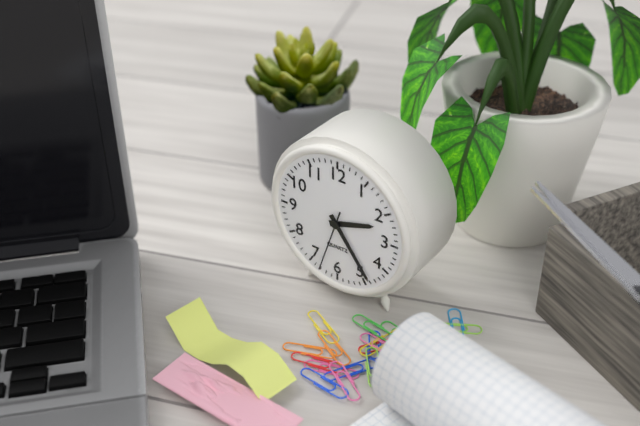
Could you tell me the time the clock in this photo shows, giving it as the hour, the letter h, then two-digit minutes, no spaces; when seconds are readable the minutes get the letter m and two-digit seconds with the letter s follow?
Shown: 2h24m33s
